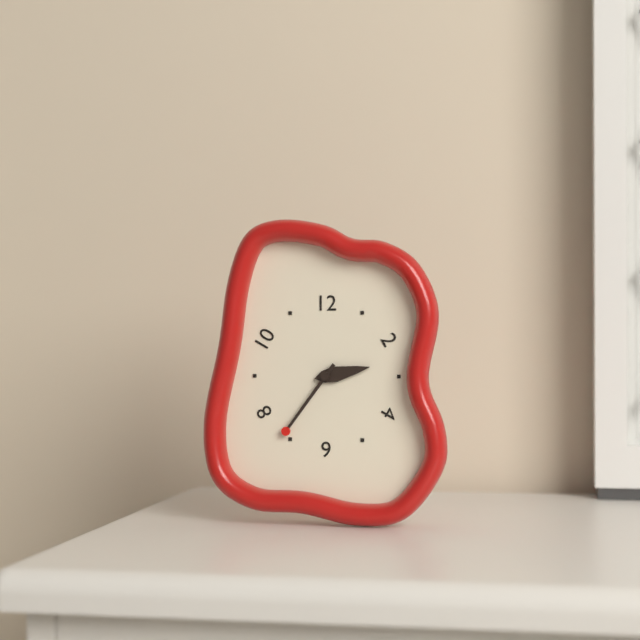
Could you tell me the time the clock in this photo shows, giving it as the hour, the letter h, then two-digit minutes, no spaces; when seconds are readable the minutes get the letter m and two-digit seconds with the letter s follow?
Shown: 2h36
